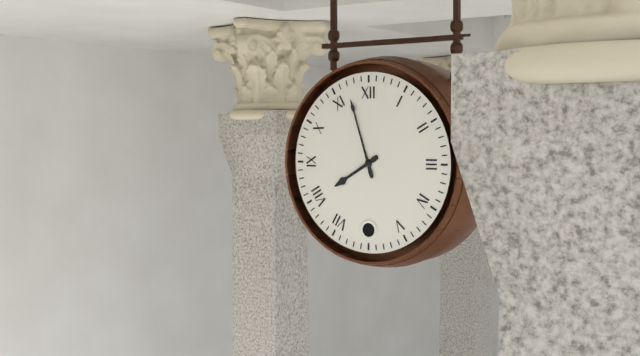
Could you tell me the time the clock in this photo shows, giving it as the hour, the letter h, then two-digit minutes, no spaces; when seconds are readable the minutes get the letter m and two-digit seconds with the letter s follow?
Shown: 7h57
